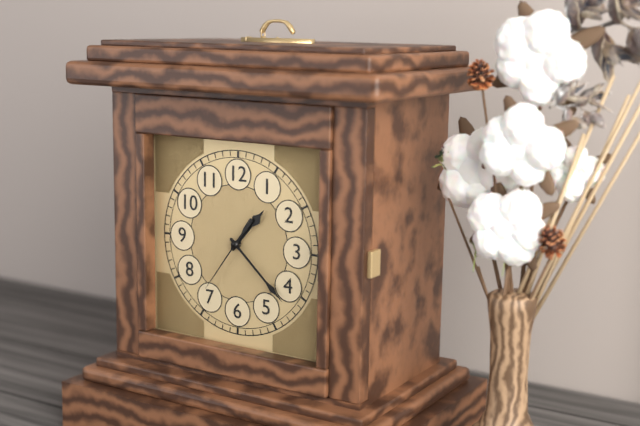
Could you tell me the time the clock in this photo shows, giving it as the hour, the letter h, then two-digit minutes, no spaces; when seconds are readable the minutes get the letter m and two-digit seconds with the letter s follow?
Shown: 1h22m36s
